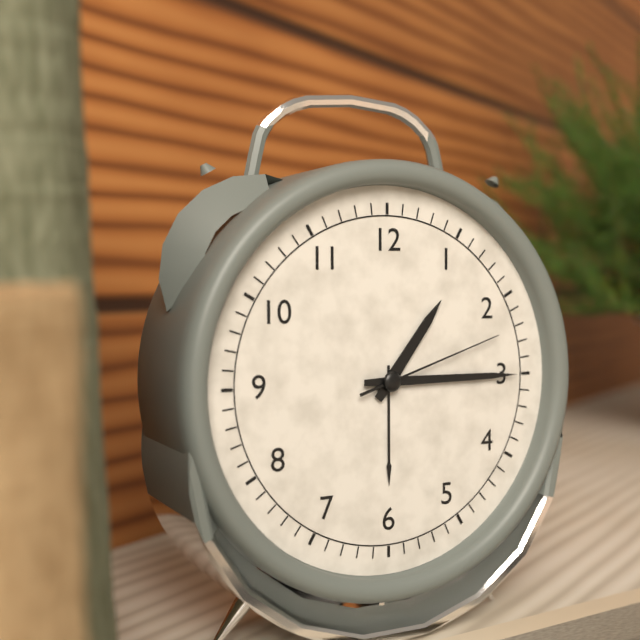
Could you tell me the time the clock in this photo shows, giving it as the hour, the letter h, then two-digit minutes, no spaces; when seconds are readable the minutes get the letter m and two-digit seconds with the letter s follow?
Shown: 1h15m12s
